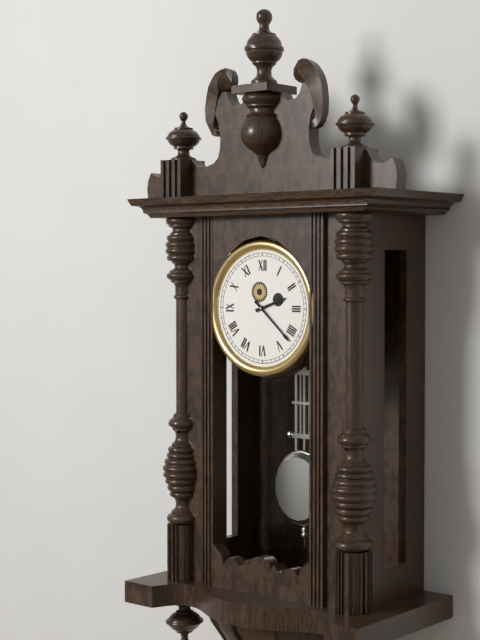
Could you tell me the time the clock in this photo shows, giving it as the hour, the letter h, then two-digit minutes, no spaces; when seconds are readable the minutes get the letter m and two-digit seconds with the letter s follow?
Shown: 2h22
